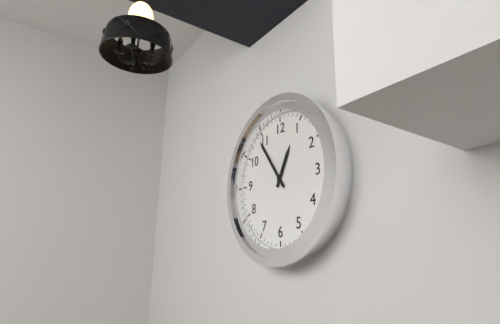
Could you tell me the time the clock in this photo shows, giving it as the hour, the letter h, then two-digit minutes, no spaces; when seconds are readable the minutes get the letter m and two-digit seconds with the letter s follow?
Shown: 12h54
